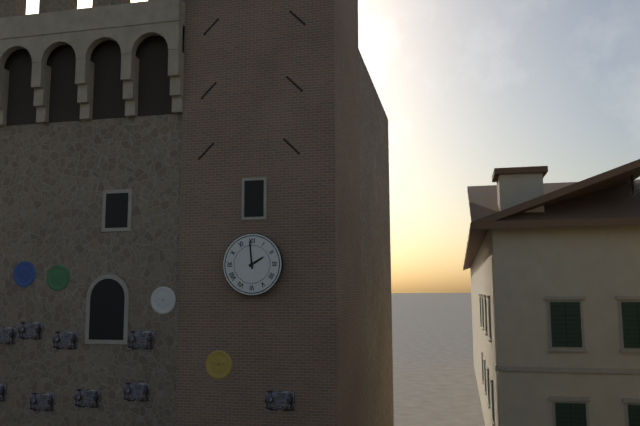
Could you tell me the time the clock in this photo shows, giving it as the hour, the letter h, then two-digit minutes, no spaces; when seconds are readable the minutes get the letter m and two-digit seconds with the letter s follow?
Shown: 1h59
